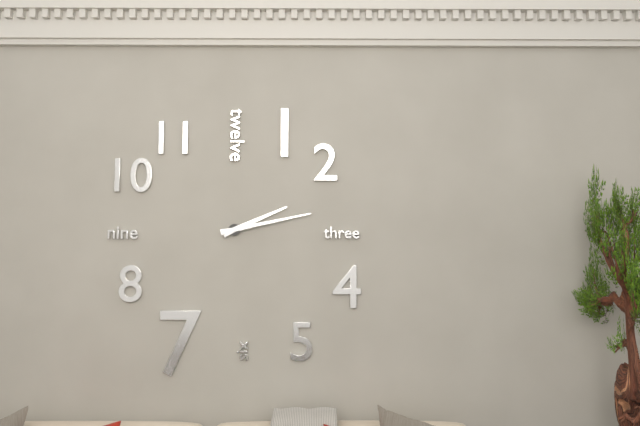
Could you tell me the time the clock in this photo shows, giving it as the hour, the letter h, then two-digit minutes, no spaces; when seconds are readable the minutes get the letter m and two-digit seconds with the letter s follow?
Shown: 2h13
